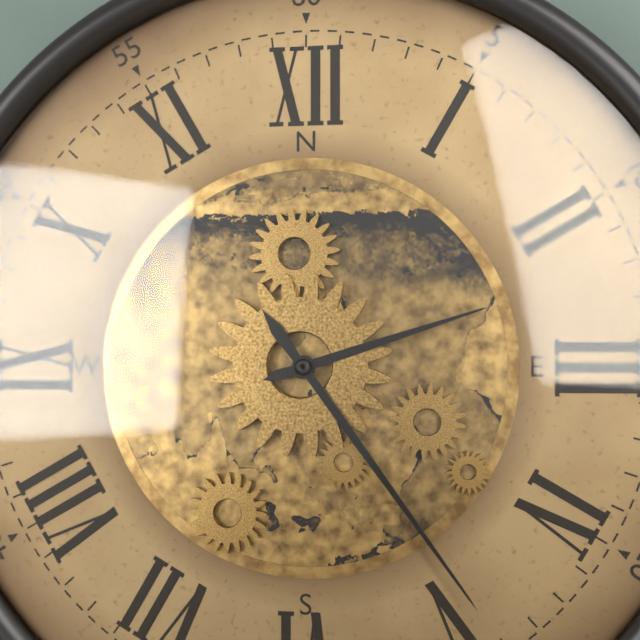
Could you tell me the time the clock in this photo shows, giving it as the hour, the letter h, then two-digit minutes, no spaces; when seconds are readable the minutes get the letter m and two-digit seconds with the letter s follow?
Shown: 2h24
